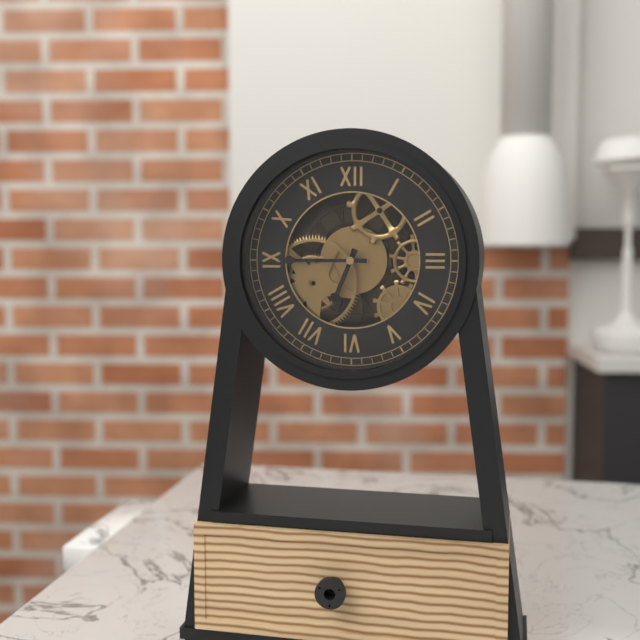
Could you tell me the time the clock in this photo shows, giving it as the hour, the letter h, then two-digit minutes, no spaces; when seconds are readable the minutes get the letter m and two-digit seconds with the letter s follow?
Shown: 6h45
